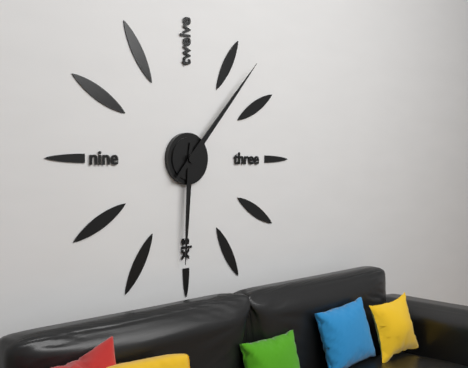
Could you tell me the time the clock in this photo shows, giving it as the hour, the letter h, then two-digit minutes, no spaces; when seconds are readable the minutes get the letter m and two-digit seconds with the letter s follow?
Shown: 6h07
